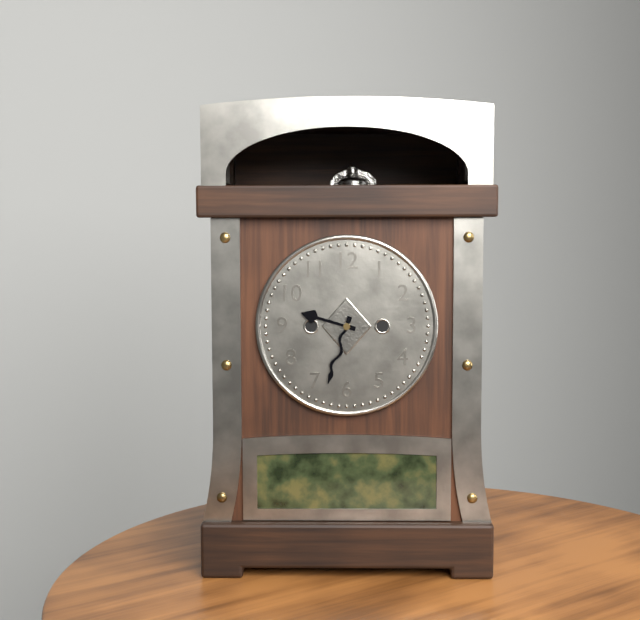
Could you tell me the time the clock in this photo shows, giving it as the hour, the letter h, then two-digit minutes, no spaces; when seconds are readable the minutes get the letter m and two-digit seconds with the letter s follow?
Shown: 9h33
